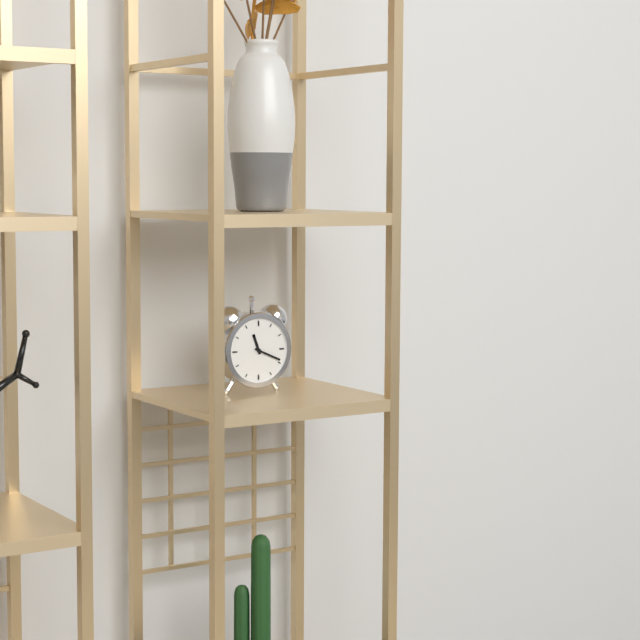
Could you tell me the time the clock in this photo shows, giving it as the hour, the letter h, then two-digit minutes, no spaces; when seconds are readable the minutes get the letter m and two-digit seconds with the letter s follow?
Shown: 11h19
